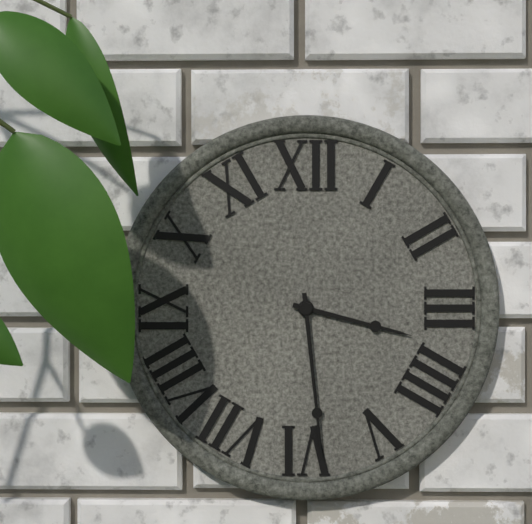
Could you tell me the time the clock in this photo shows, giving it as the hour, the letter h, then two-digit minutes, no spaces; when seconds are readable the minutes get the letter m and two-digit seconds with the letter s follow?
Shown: 3h29
